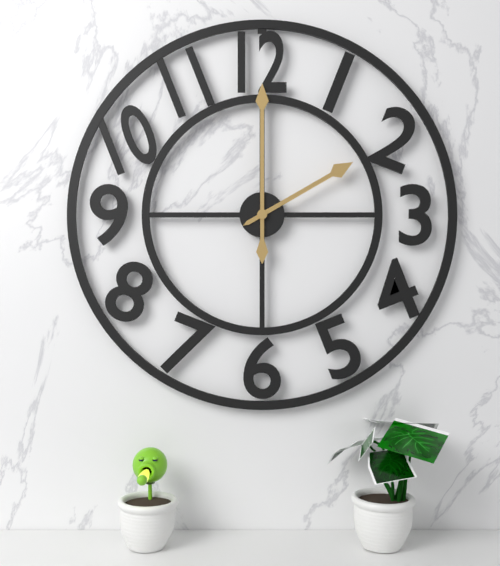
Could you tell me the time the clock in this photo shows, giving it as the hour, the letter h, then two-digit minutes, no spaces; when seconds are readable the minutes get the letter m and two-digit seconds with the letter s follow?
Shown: 2h00
